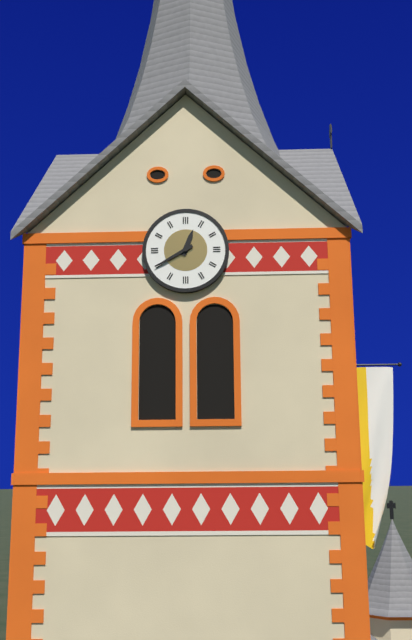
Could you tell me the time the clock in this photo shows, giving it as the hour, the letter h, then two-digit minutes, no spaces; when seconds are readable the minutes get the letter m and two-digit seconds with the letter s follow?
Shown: 12h40
